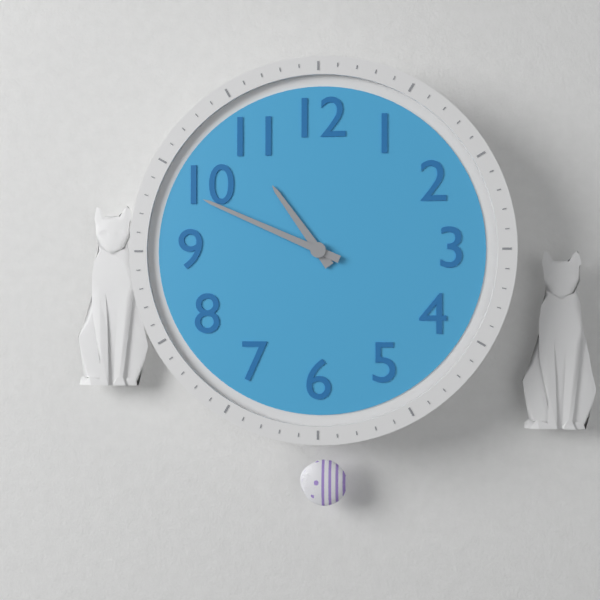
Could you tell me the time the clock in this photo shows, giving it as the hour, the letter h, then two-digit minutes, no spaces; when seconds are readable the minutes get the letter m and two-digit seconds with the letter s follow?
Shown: 10h49
